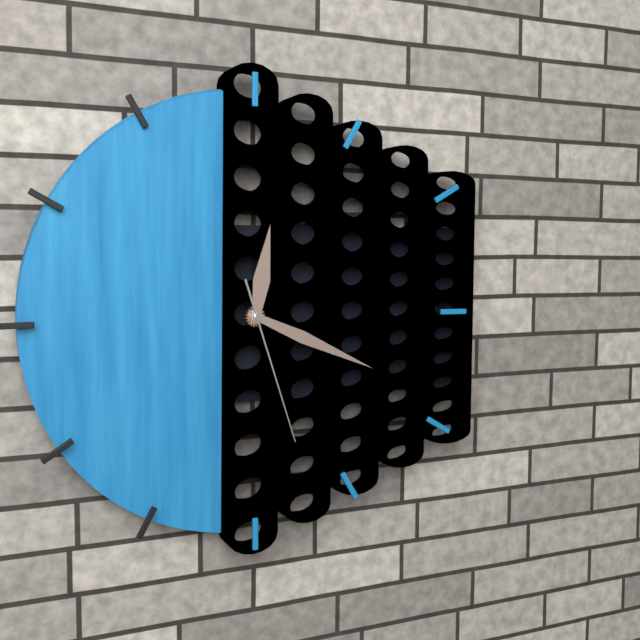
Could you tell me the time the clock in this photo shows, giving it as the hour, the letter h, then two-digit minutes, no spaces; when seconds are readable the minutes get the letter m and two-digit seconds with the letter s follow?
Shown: 12h19m27s
